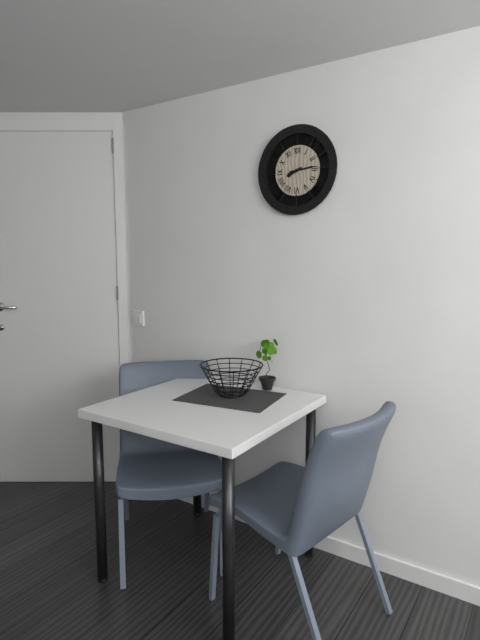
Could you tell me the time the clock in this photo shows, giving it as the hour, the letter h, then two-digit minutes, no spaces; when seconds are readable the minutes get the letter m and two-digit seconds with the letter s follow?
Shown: 8h14
